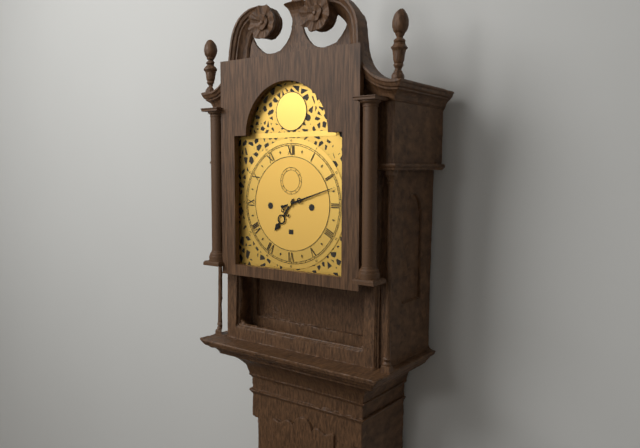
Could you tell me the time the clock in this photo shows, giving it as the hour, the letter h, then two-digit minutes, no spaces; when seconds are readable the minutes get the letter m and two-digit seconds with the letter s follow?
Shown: 7h12
